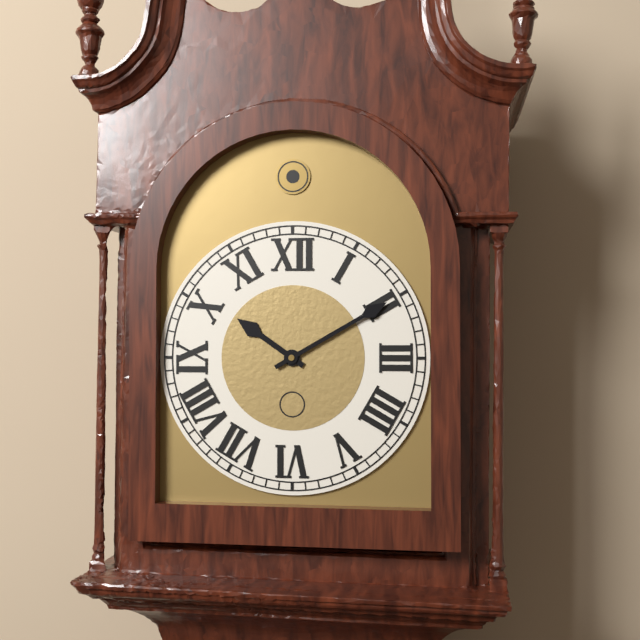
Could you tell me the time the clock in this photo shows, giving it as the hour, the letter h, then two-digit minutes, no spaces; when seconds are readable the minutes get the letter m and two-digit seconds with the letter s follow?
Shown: 10h10
